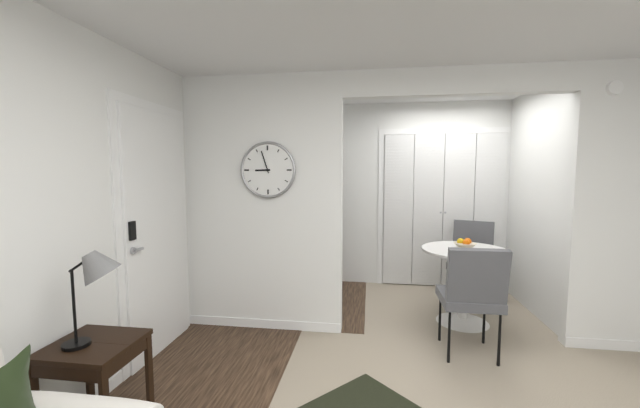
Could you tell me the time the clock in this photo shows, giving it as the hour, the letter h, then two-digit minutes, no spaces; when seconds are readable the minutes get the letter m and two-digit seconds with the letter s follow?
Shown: 8h57
